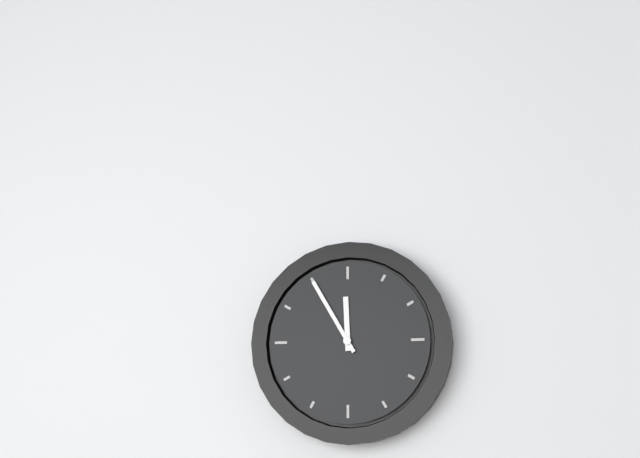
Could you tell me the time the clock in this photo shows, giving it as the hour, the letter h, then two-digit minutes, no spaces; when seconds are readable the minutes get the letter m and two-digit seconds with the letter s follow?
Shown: 11h55
